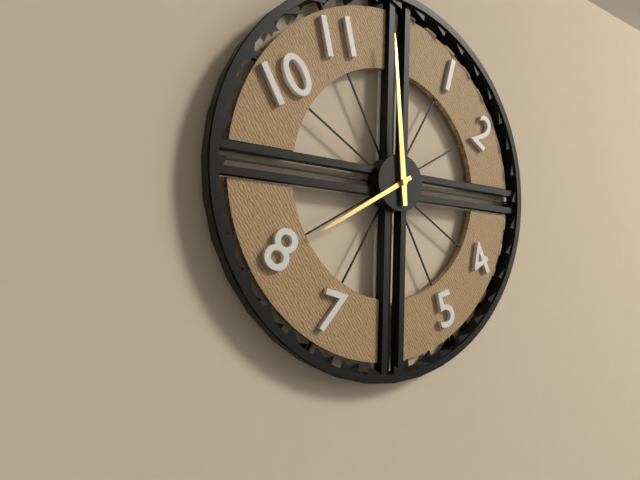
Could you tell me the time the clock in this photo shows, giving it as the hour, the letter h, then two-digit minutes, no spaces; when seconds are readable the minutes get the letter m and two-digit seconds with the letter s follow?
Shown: 7h59
